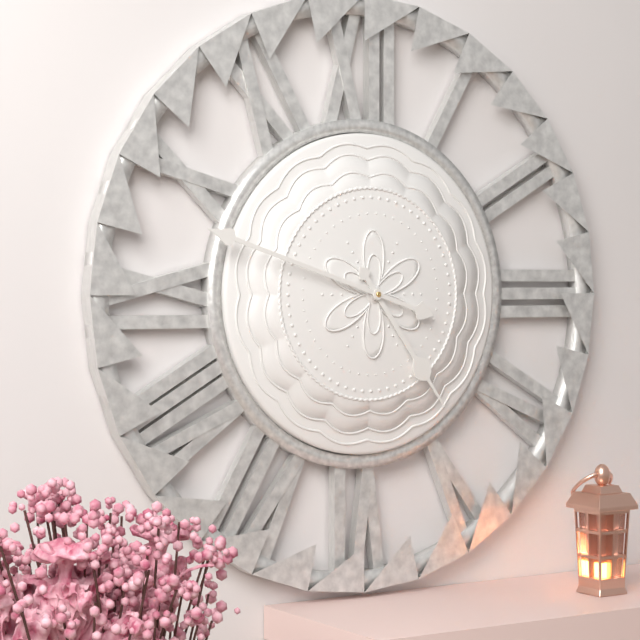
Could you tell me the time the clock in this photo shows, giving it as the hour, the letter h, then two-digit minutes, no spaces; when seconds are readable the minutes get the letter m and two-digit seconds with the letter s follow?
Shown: 4h48
